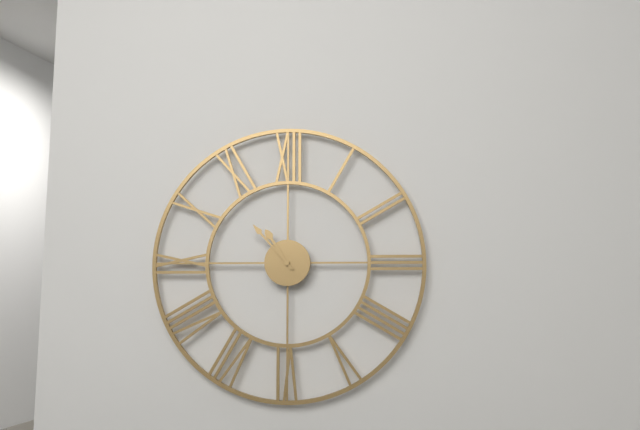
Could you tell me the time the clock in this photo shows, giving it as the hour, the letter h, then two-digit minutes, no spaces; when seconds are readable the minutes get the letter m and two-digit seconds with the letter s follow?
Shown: 10h53
